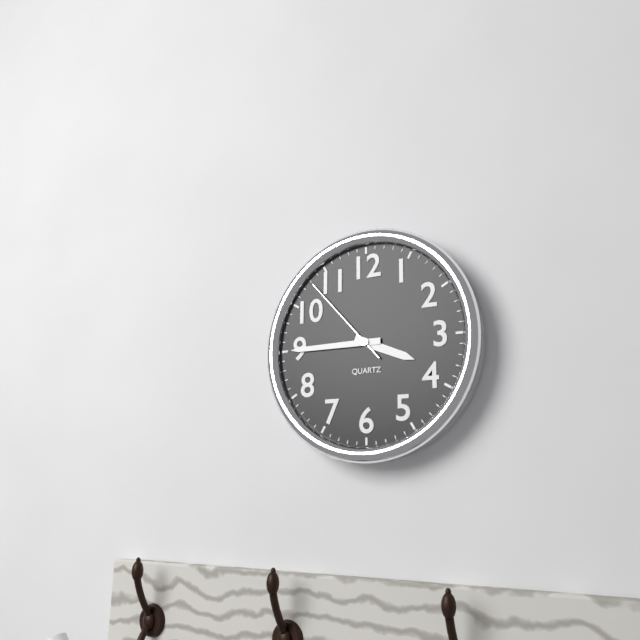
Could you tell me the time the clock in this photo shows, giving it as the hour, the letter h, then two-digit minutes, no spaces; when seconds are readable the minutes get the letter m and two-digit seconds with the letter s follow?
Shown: 3h45m53s
